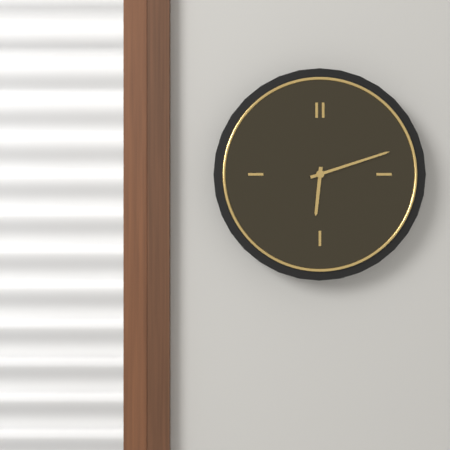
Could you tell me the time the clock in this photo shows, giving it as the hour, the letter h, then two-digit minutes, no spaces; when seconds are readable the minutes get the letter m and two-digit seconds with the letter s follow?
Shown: 6h12
